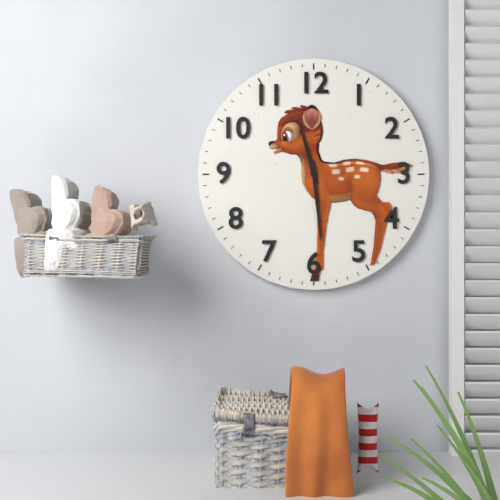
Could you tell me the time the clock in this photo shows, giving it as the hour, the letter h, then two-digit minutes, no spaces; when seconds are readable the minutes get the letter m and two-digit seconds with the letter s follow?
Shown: 11h29
